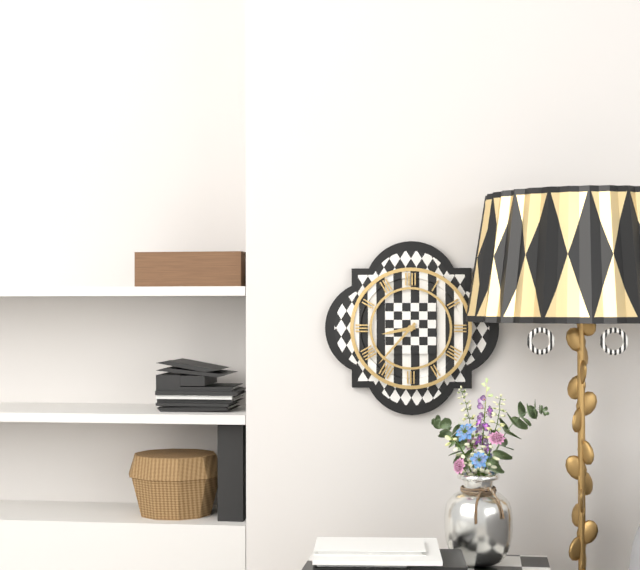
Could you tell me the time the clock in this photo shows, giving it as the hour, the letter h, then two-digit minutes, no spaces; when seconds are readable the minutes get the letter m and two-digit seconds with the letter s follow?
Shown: 8h37
